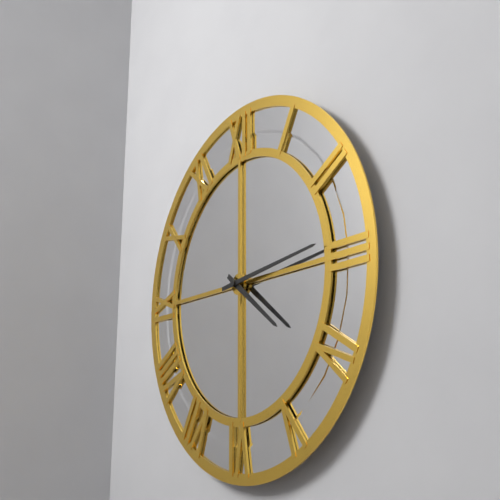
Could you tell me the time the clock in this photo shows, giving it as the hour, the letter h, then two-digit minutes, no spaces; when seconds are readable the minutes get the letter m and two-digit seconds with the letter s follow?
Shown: 4h14
